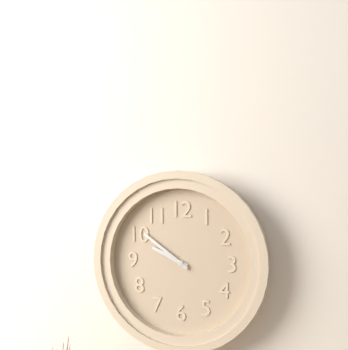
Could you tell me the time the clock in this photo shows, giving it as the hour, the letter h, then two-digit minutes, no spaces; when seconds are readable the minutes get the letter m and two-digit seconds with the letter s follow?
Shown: 9h51
